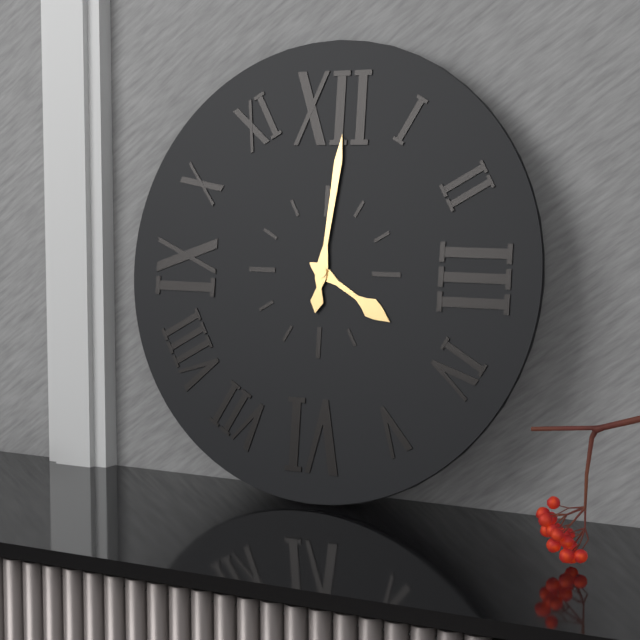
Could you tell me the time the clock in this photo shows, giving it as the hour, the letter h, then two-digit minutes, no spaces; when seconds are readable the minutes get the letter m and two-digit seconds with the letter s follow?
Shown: 4h01
